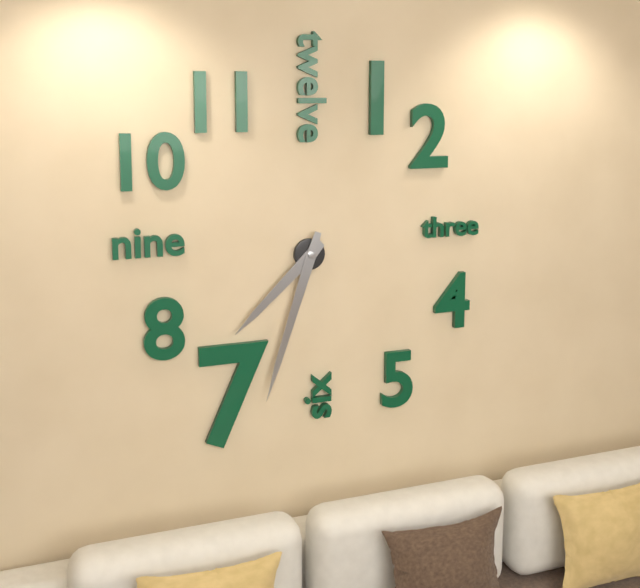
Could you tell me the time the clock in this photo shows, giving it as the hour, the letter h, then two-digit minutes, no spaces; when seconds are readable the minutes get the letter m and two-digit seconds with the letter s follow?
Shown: 7h33
